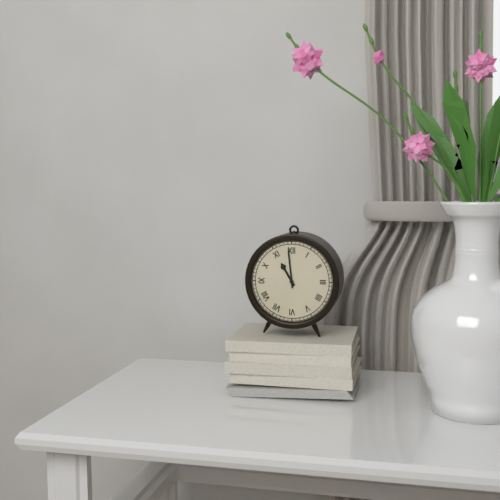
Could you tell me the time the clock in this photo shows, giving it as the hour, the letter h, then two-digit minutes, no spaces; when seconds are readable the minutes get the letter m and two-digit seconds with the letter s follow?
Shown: 10h59
